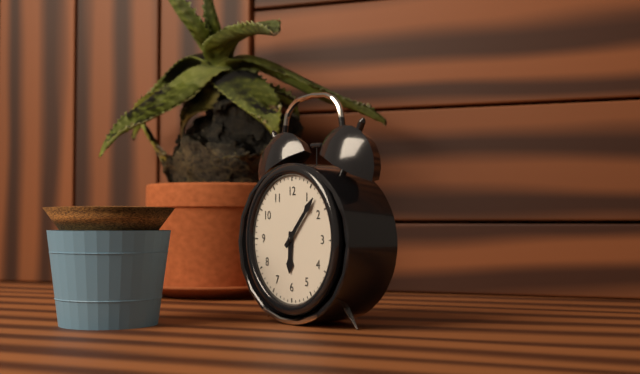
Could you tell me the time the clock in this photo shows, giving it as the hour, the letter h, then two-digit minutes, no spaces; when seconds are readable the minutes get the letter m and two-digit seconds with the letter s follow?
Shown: 6h07
